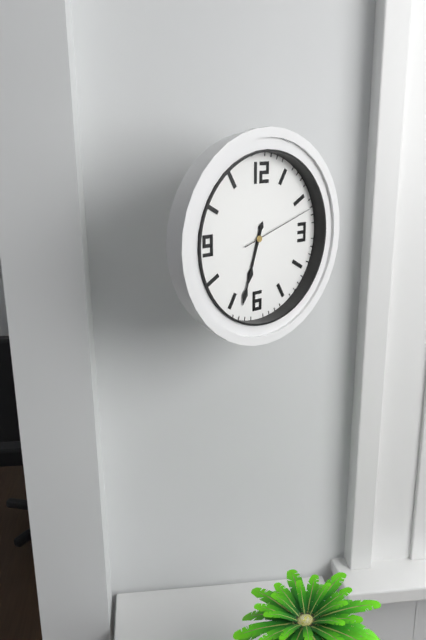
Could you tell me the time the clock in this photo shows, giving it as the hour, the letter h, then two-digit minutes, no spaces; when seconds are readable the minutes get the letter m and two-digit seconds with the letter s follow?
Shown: 6h33m12s
